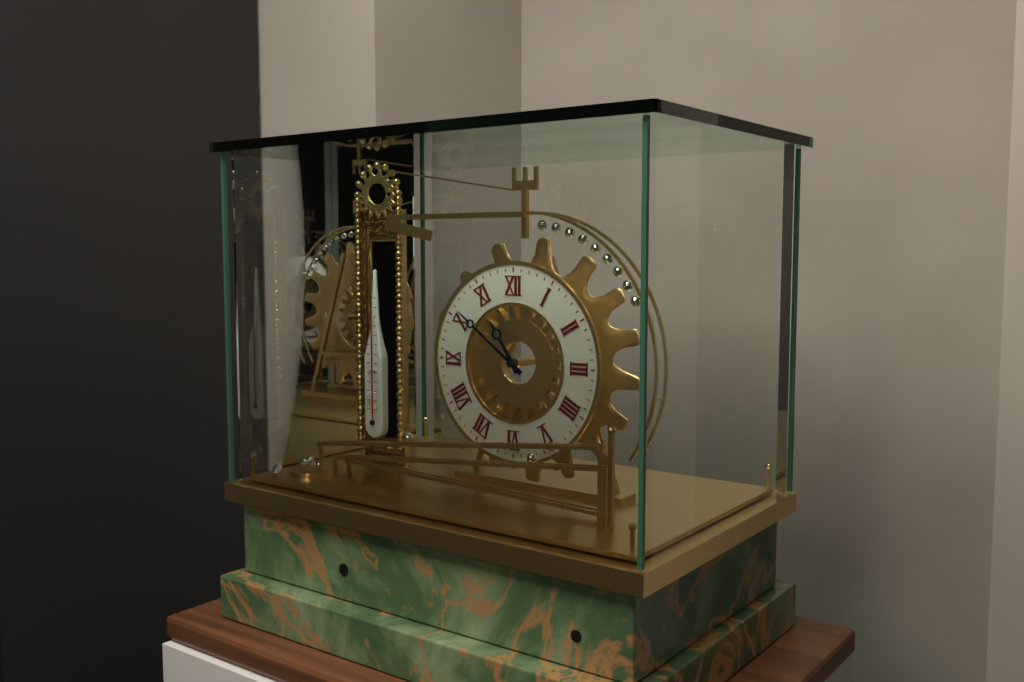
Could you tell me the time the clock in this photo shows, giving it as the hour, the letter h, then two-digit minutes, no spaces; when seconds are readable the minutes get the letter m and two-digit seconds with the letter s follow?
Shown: 10h51
